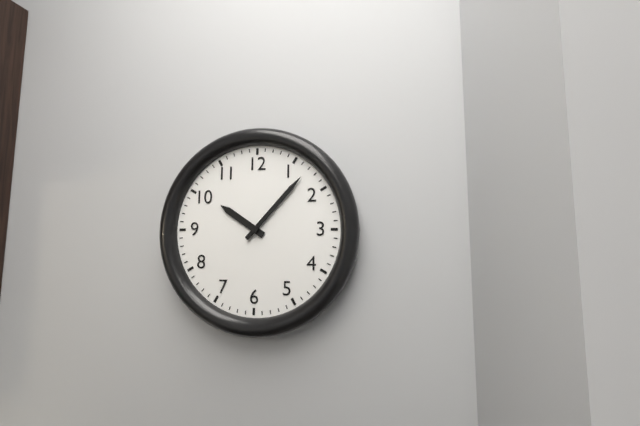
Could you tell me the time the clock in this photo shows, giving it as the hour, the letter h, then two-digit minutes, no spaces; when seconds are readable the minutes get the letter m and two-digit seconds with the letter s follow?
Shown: 10h07
